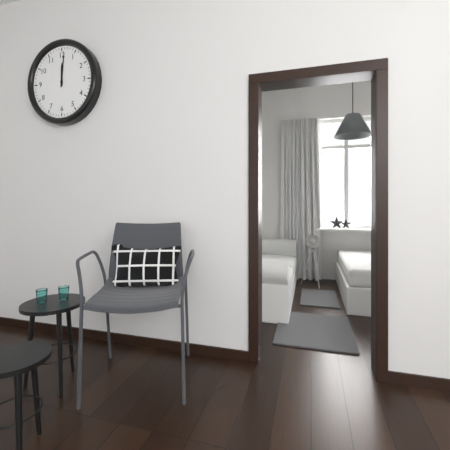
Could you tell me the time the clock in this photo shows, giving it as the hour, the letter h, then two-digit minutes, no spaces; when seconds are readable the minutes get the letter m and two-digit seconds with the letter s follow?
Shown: 12h01
